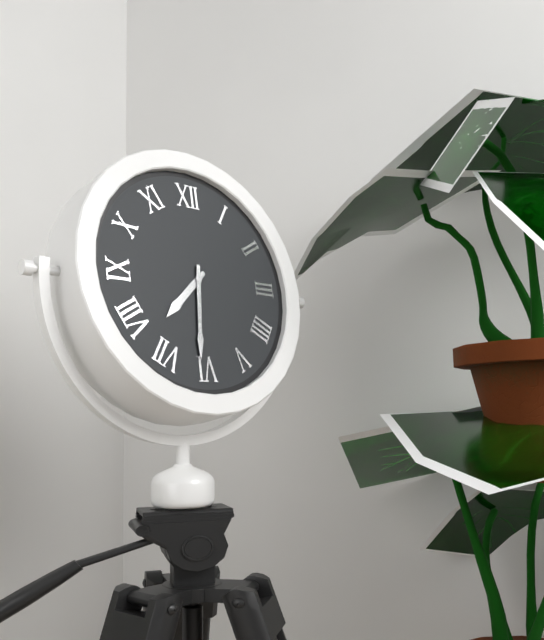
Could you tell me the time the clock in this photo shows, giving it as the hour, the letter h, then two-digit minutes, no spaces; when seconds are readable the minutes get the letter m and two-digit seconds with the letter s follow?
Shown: 7h31
